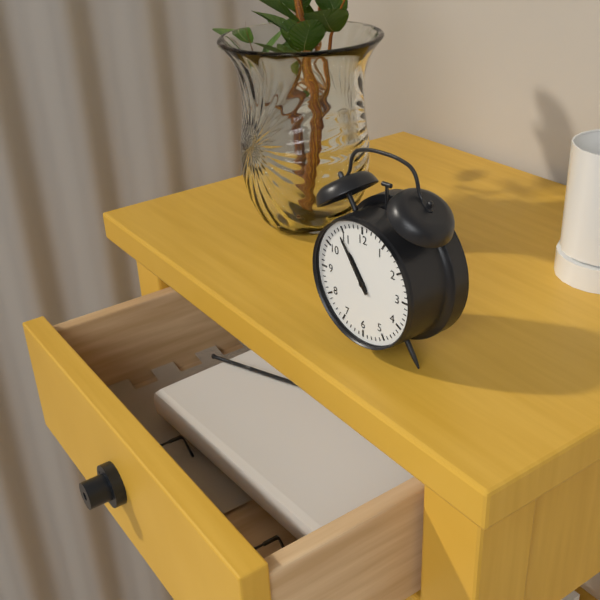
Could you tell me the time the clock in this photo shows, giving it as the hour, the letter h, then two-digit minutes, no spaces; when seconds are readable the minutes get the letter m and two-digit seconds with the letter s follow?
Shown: 10h54
